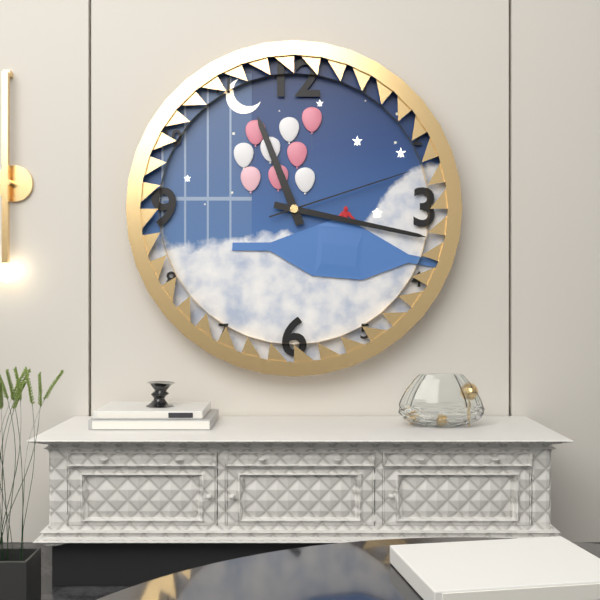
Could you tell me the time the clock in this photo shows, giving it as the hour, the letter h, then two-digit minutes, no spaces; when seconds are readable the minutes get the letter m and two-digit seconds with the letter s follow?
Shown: 11h17m12s
